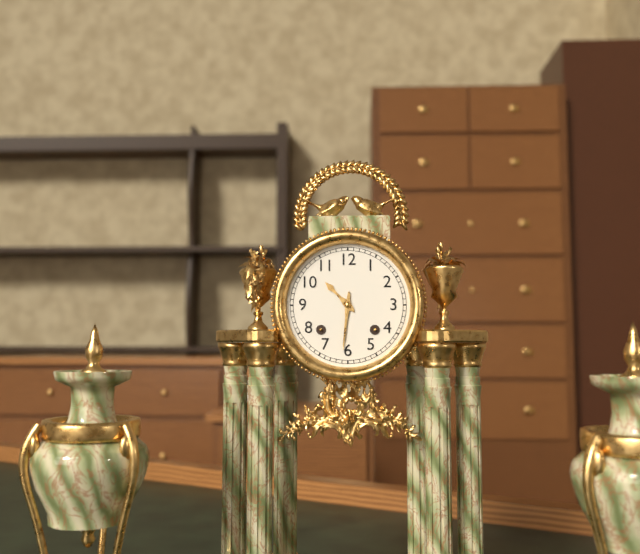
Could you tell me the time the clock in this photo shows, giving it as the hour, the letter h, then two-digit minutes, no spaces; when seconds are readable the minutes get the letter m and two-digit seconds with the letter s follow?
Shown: 10h31
